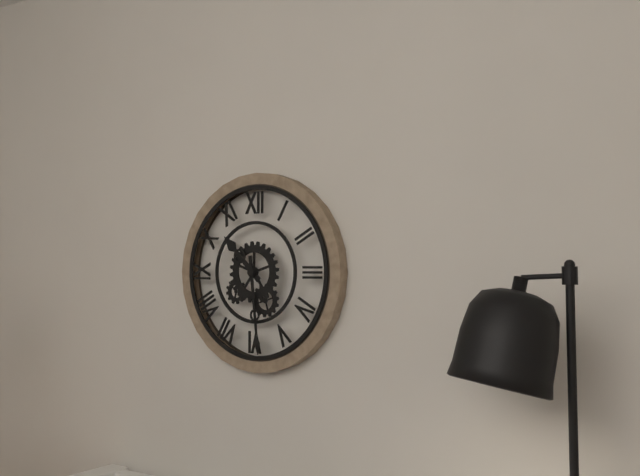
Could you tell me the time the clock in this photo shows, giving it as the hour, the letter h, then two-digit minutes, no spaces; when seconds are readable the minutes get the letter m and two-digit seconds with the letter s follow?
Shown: 10h29
